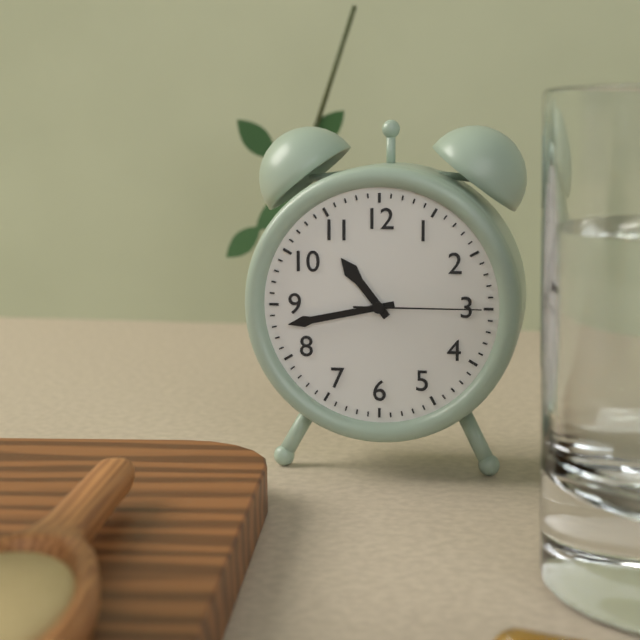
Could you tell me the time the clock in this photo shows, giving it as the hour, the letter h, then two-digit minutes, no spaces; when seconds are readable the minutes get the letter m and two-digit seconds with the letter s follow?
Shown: 10h43m15s
